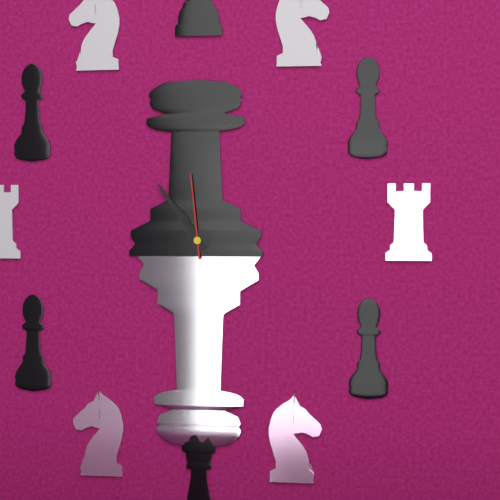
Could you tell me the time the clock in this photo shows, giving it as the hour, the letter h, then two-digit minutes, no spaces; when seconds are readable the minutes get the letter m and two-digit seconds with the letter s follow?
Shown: 10h54m59s
